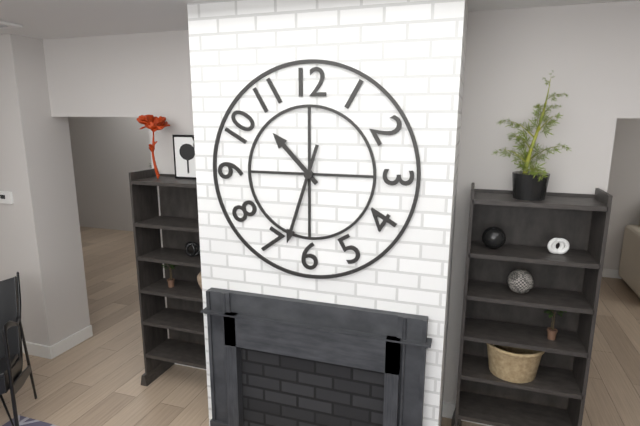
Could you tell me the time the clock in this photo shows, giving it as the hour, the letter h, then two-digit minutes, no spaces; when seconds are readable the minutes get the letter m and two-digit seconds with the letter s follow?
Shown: 10h33
